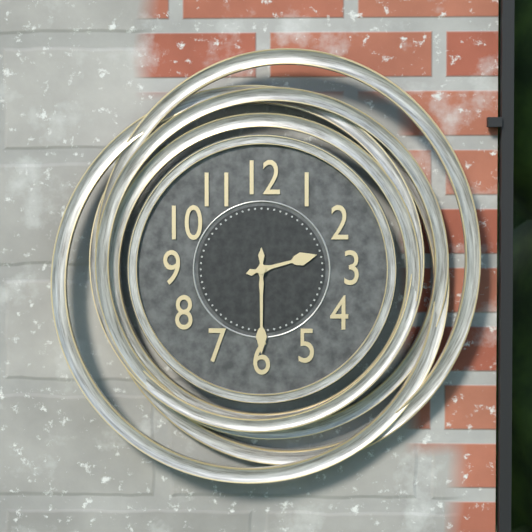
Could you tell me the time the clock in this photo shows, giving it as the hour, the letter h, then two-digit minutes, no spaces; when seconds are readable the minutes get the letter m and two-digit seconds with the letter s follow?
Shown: 2h30
